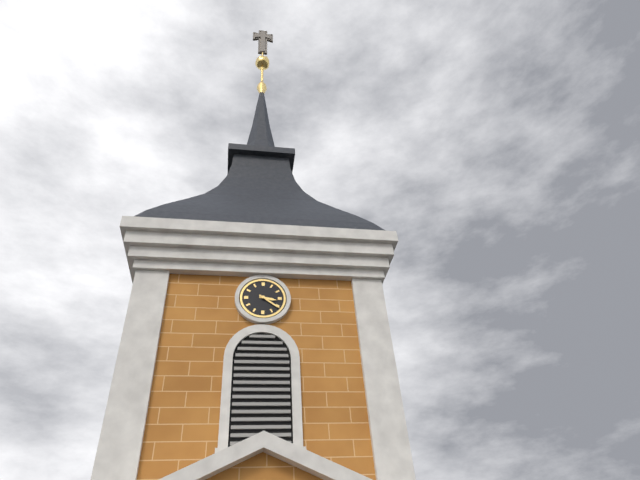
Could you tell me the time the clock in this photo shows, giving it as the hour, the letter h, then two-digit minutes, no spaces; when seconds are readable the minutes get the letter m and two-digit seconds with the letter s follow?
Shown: 3h21
